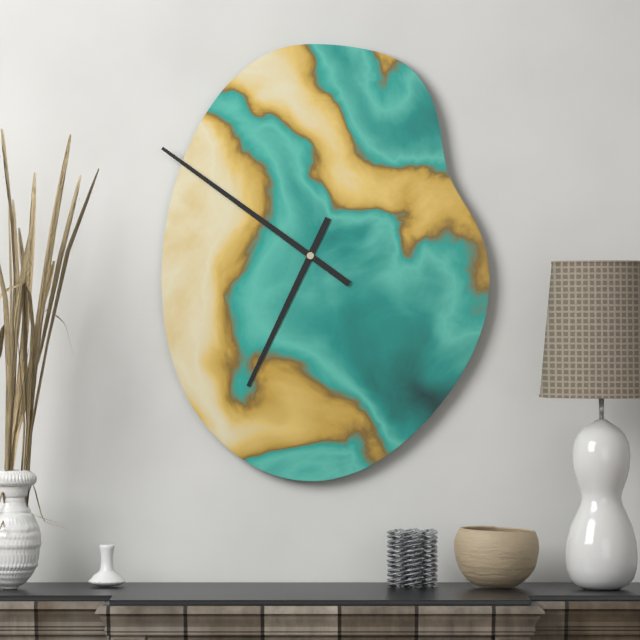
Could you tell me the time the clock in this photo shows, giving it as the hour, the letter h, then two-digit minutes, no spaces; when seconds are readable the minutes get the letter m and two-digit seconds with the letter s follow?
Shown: 6h51
